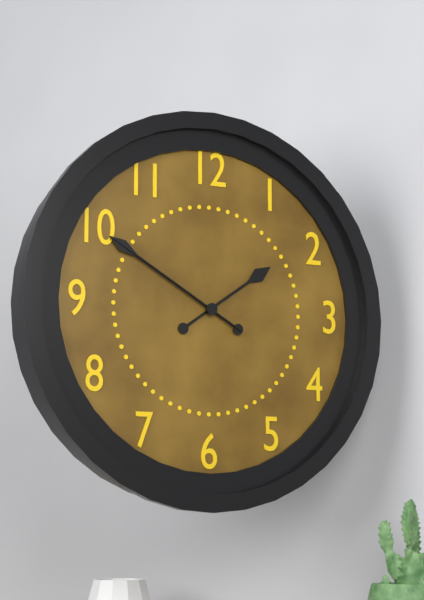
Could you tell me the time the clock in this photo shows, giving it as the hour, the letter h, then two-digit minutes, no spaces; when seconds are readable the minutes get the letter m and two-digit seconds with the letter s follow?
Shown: 1h50m50s
